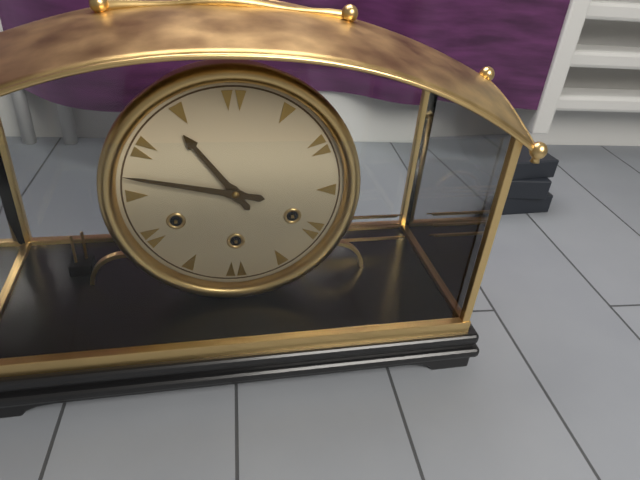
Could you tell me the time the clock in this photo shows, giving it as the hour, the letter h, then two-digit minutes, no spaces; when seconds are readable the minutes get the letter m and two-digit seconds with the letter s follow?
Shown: 10h47
